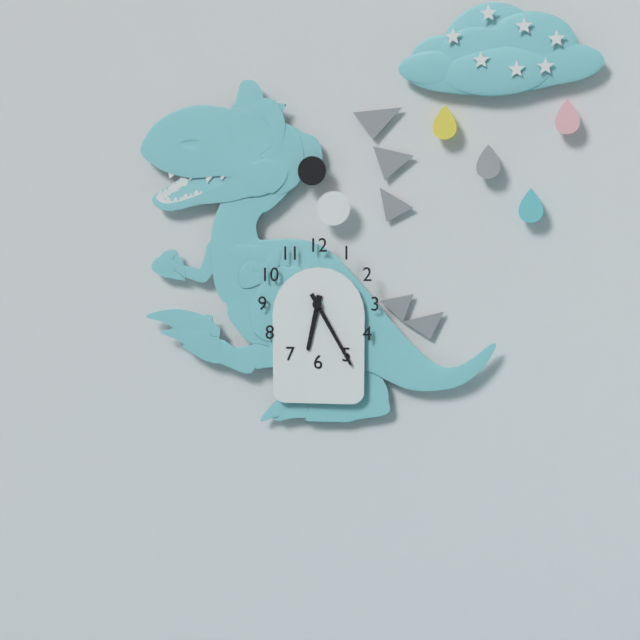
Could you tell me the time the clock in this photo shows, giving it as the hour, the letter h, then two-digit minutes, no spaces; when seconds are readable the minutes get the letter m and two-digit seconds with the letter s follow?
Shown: 6h25
